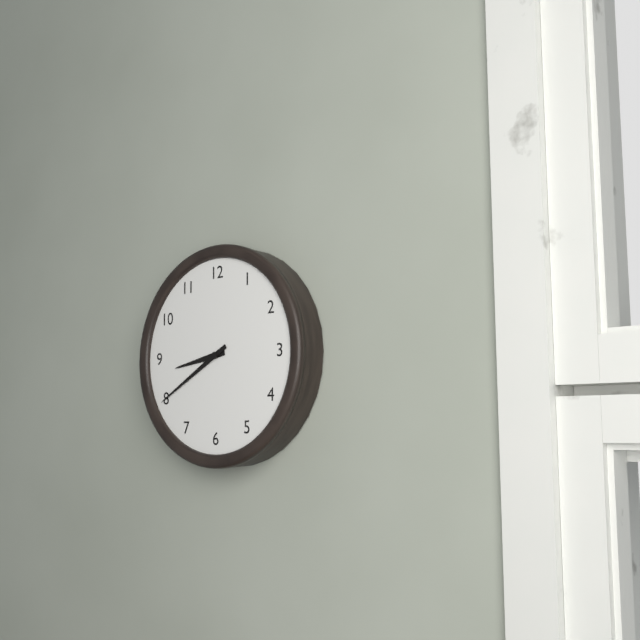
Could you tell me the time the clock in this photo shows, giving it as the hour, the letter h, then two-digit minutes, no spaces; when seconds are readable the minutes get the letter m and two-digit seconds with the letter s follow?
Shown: 8h40
